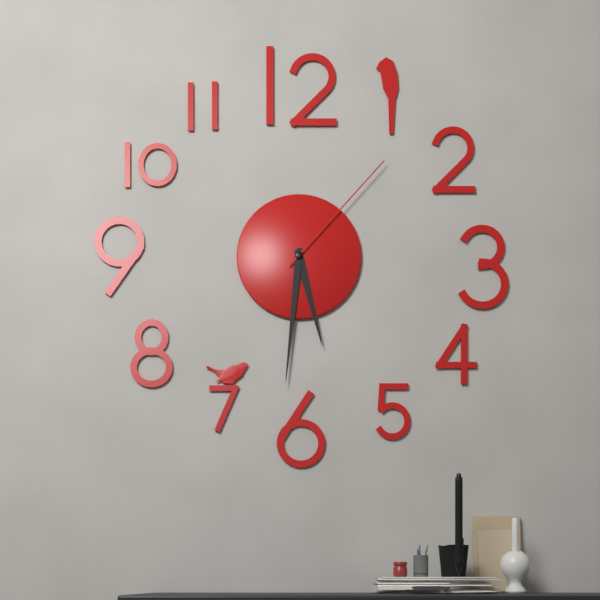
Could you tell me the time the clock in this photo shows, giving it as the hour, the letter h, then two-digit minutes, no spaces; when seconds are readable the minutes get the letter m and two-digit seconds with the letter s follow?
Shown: 5h31m07s
